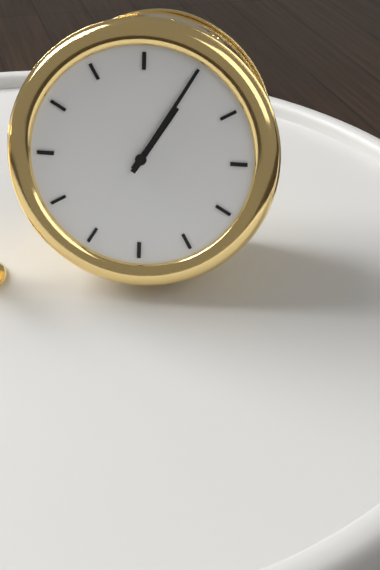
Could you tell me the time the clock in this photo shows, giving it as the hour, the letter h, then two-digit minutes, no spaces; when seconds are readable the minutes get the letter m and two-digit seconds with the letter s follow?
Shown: 1h05
